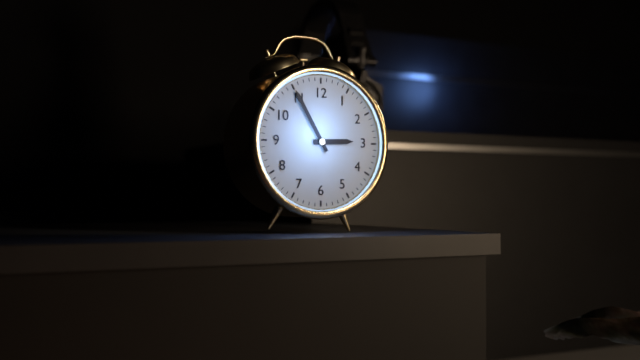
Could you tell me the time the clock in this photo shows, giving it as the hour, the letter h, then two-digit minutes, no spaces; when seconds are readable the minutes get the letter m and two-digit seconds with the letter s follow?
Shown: 2h55
